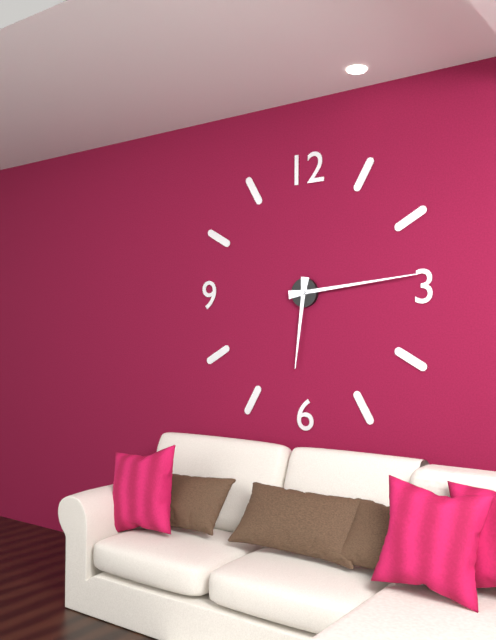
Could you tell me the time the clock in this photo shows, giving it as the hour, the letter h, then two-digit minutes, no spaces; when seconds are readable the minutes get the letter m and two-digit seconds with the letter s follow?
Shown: 6h14
